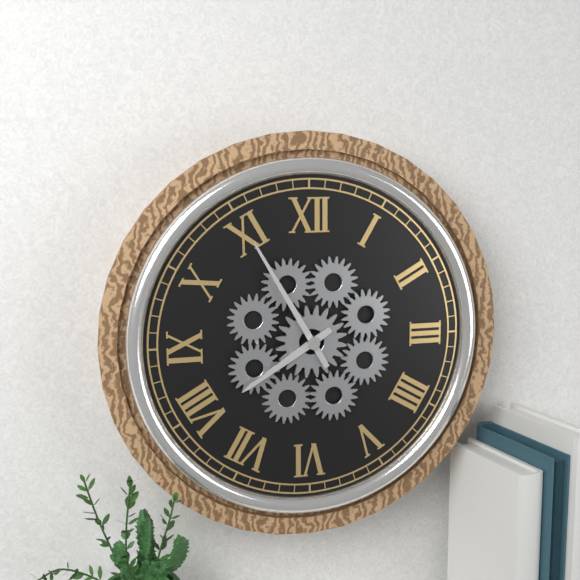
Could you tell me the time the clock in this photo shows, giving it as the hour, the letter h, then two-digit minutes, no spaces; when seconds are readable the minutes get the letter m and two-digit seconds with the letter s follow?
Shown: 7h55
